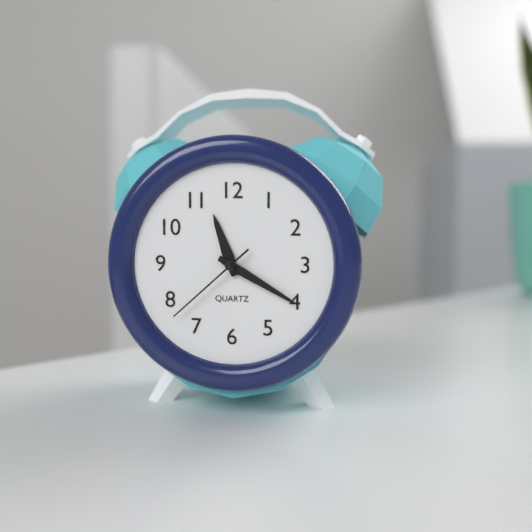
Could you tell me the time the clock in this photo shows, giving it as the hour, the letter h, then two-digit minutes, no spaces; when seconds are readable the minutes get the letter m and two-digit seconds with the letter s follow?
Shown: 11h20m38s
